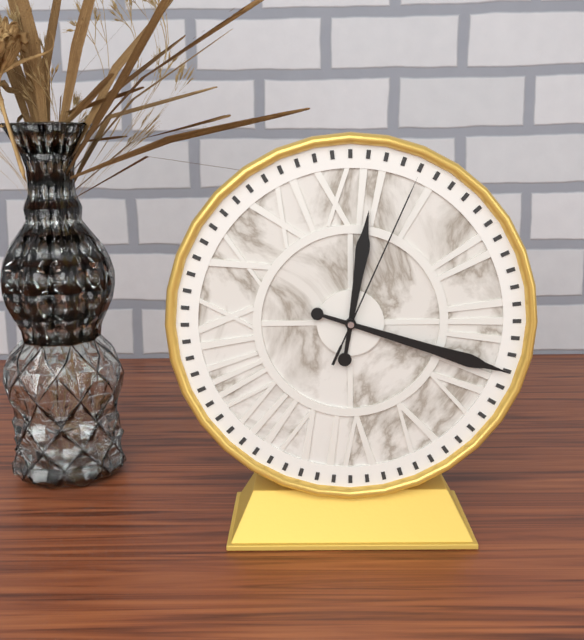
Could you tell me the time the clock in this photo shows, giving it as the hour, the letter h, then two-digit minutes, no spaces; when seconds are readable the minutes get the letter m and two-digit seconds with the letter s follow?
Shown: 12h18m04s
